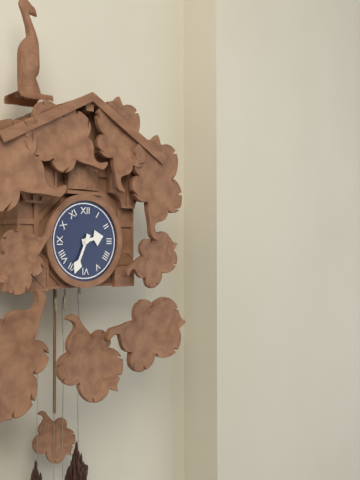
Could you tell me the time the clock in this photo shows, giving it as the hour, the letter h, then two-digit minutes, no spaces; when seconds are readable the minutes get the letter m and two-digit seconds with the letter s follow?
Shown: 2h34
